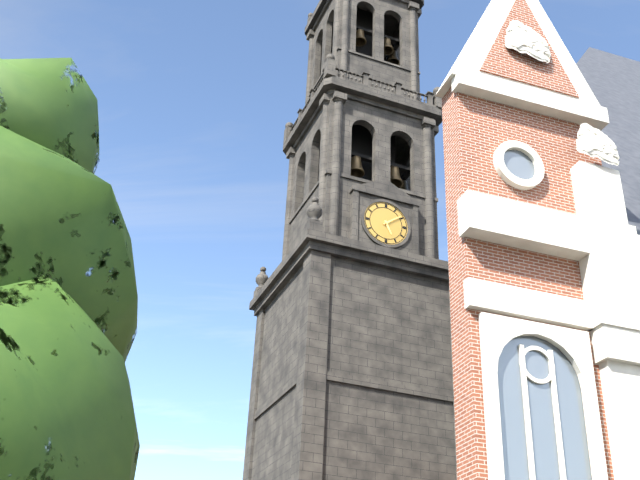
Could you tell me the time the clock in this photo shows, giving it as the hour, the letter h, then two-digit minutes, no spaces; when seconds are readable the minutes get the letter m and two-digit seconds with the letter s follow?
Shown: 5h09
